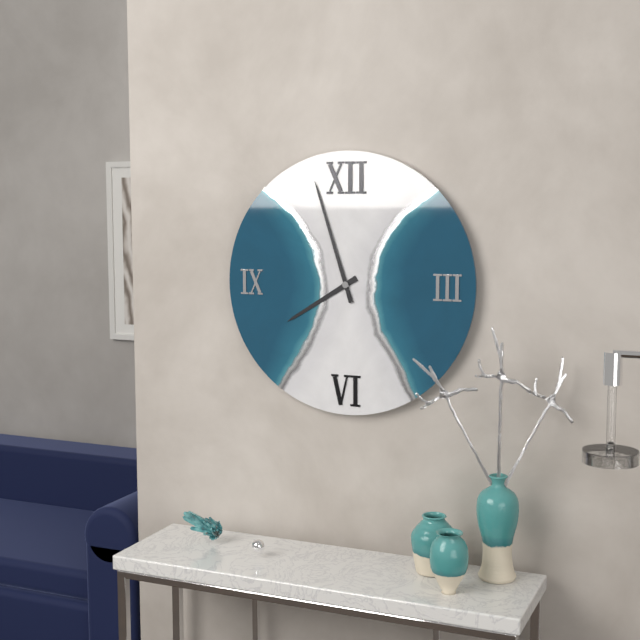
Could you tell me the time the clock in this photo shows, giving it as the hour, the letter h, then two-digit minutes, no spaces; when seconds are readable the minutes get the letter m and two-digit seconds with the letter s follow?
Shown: 7h57
